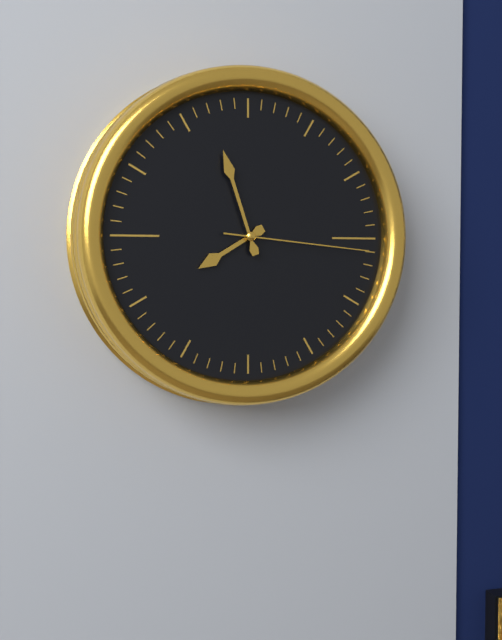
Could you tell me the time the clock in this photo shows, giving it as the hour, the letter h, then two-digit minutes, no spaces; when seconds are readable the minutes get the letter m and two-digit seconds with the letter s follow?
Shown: 7h57m16s
